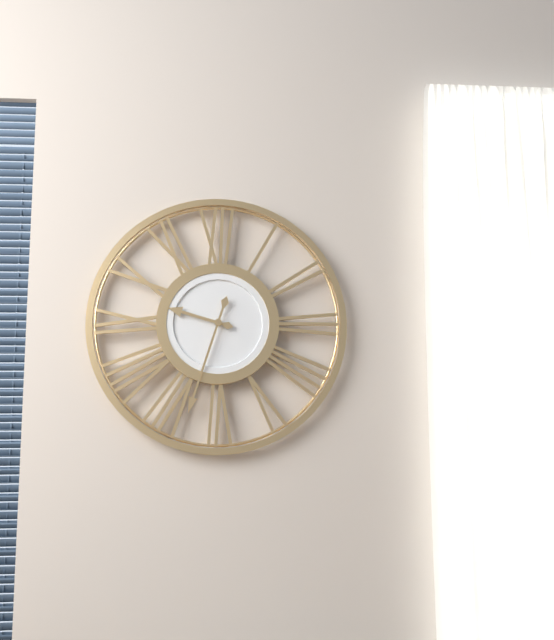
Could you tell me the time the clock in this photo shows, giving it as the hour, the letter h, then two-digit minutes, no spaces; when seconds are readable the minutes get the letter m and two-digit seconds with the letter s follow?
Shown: 9h33
